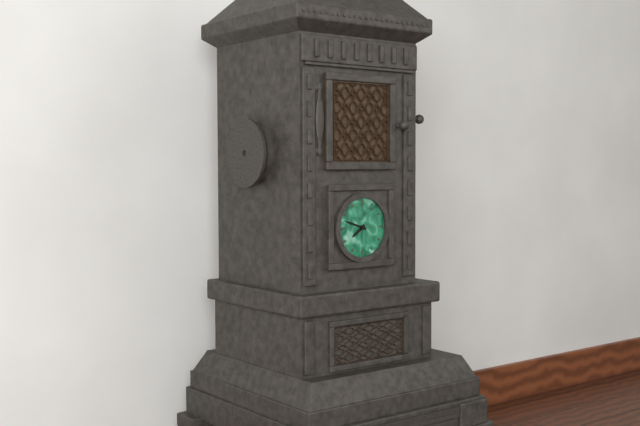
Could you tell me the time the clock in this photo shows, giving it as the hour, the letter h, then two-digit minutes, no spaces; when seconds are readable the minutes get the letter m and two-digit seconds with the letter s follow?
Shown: 7h48
